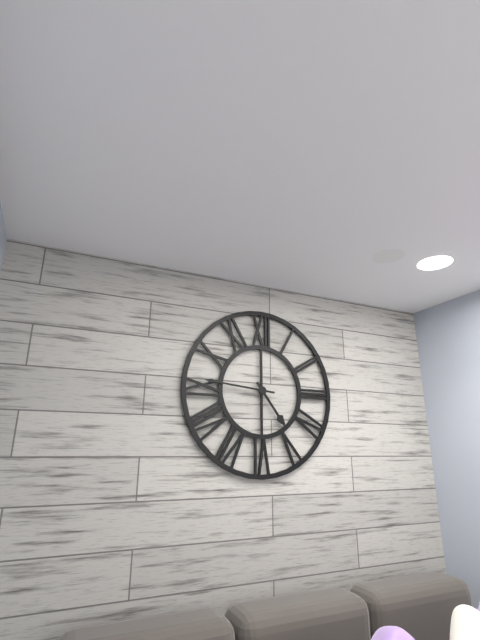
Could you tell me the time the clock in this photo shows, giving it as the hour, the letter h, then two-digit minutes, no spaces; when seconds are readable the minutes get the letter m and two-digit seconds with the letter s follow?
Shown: 4h46
